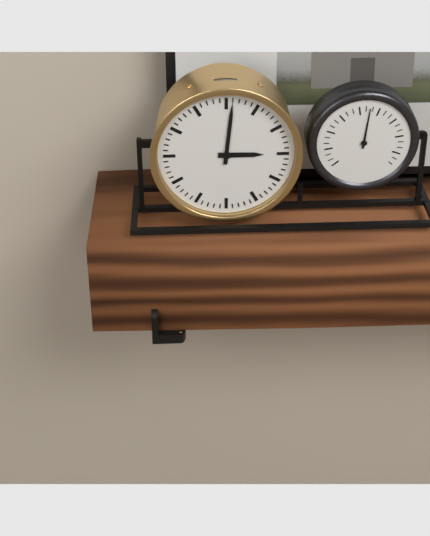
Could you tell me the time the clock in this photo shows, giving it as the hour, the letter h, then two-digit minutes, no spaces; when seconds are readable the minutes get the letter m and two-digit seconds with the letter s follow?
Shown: 3h01
